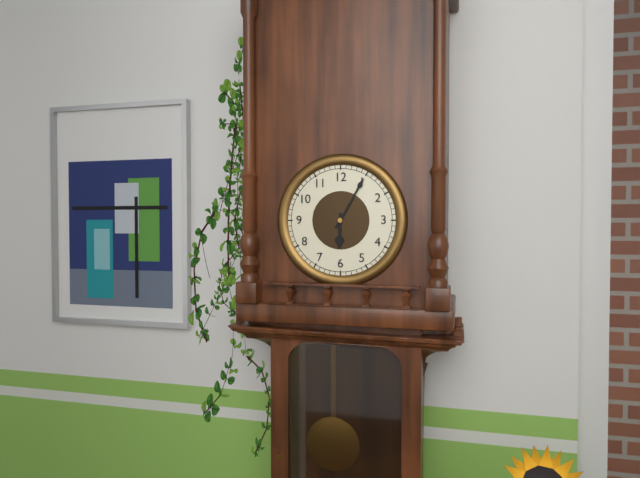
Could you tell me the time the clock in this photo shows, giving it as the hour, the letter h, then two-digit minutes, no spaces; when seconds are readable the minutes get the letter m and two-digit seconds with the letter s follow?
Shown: 6h05
